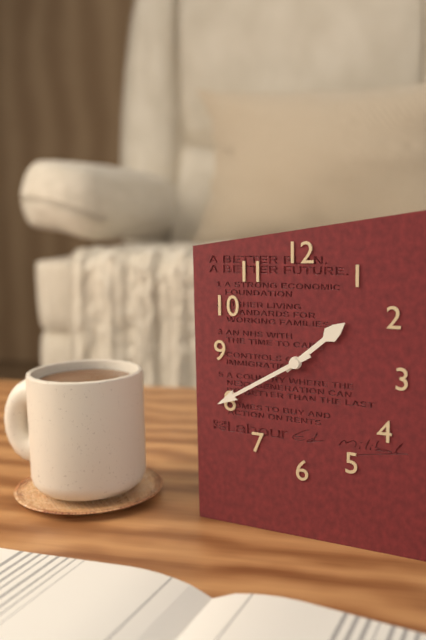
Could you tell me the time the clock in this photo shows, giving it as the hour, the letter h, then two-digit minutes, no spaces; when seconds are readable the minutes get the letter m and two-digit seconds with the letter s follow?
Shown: 1h40
